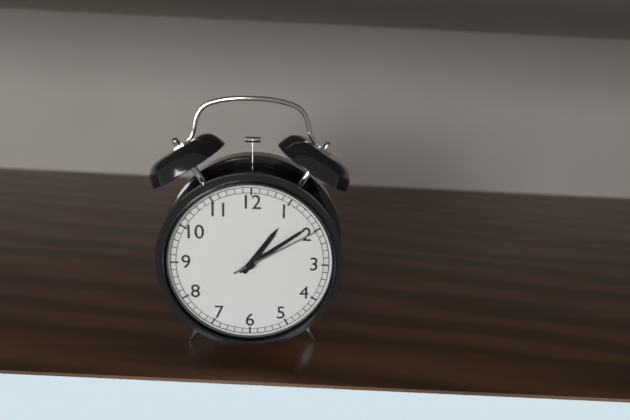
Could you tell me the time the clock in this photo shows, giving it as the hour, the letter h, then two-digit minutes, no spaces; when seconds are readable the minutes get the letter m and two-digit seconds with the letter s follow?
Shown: 1h09m10s
